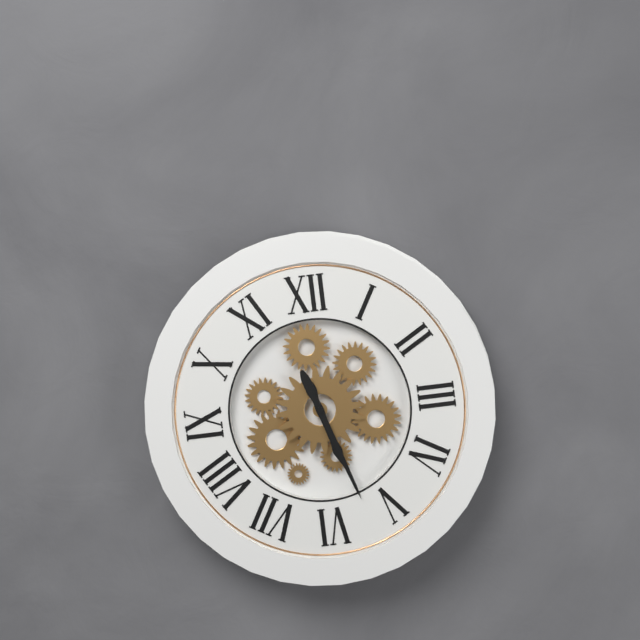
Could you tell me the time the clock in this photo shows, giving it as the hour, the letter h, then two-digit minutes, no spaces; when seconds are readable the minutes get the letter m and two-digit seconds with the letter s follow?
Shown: 5h27
